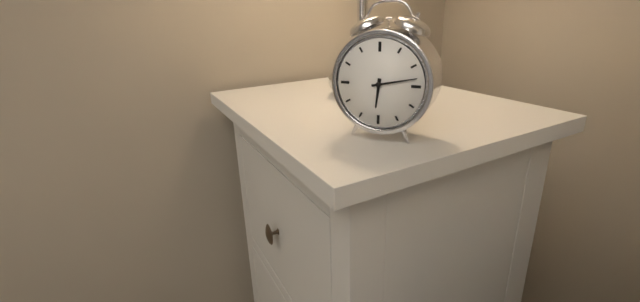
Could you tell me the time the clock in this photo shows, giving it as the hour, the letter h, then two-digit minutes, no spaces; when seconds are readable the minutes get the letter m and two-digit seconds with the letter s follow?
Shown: 6h13
